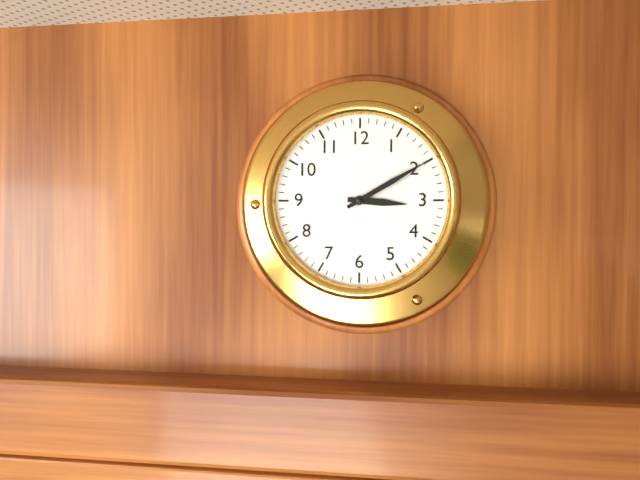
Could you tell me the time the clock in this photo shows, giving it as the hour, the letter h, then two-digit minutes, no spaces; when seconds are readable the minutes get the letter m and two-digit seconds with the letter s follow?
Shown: 3h10
